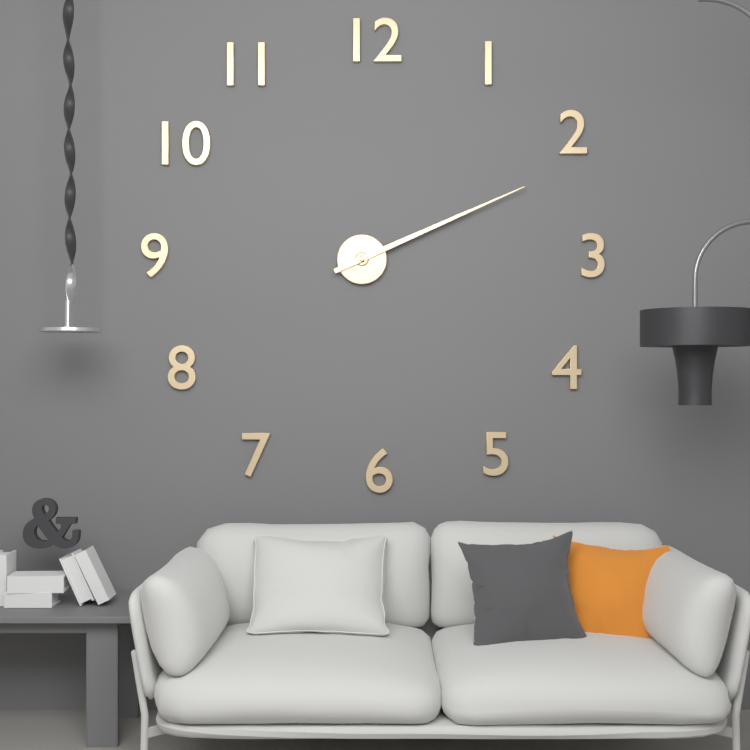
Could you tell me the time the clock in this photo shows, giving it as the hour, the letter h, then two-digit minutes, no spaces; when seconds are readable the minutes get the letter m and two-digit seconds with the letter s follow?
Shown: 2h11
